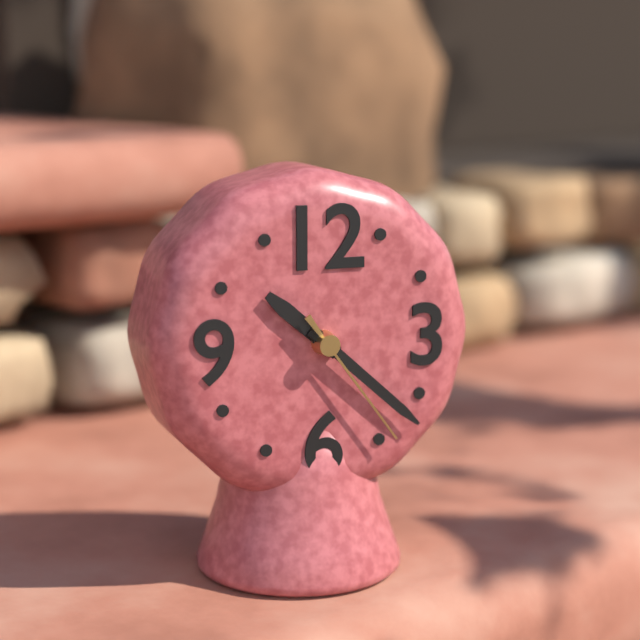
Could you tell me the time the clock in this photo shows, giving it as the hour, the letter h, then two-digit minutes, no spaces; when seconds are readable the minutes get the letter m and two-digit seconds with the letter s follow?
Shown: 10h22m24s
